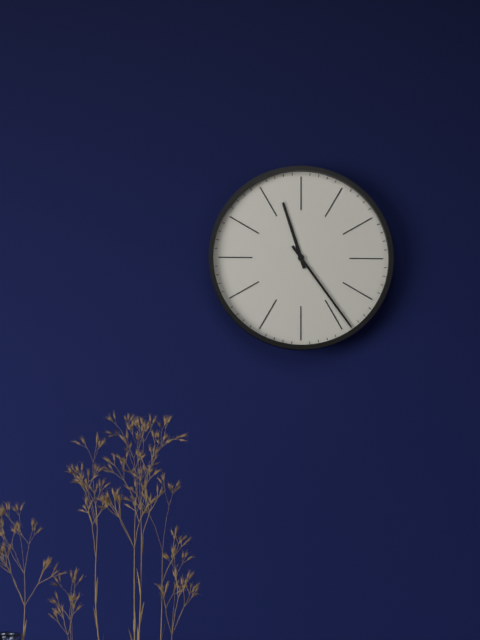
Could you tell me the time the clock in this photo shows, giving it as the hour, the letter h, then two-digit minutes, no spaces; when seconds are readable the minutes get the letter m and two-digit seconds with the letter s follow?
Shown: 11h24
